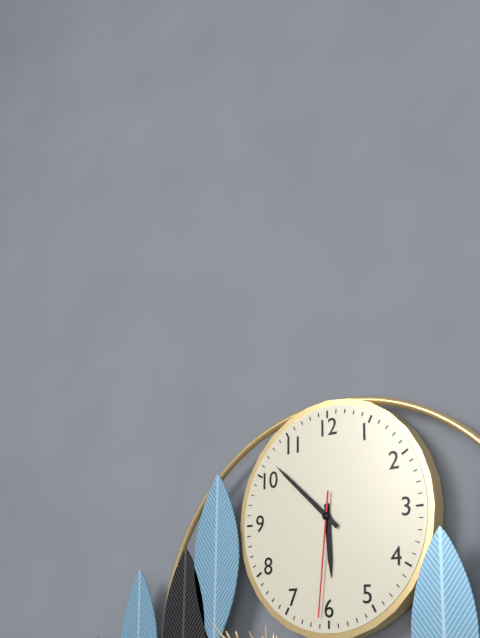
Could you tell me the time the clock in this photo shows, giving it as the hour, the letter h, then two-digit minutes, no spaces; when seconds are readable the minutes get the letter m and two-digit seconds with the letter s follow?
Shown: 5h52m31s
